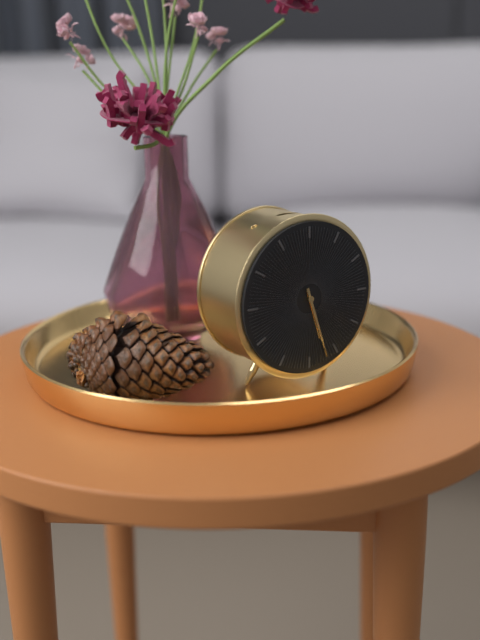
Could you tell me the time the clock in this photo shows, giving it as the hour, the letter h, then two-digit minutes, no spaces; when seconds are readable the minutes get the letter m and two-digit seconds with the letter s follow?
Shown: 5h27
